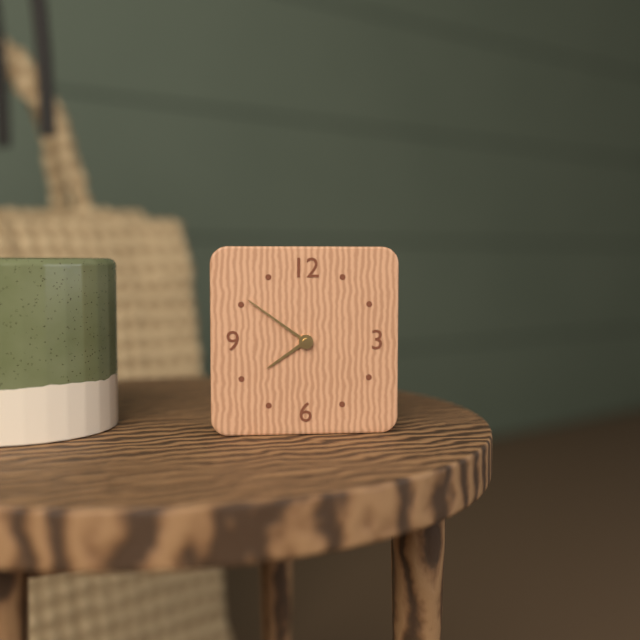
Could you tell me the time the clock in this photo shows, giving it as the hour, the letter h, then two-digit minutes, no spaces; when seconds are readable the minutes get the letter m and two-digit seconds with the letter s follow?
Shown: 7h51
